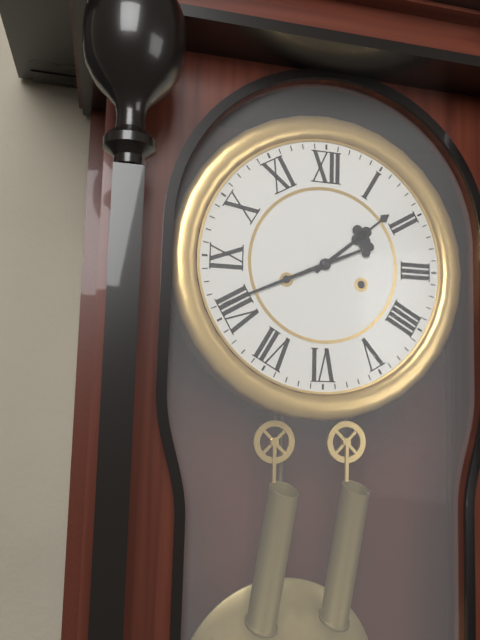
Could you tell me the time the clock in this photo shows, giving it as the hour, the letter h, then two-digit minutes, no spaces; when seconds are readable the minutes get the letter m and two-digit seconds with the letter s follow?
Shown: 1h41
